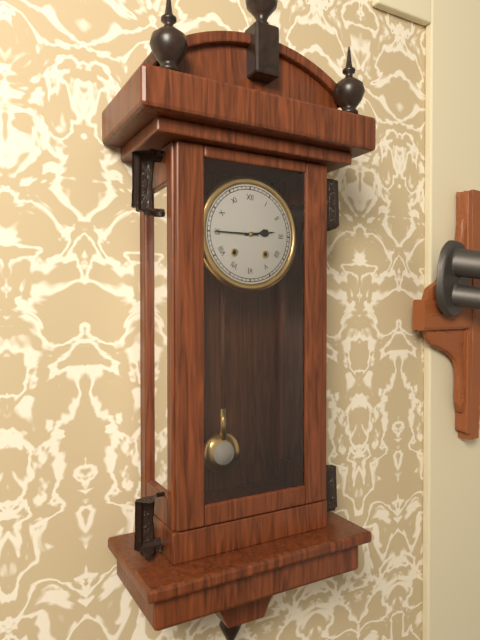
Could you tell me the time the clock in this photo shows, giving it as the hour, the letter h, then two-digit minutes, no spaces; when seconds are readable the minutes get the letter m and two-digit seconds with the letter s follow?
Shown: 2h45
